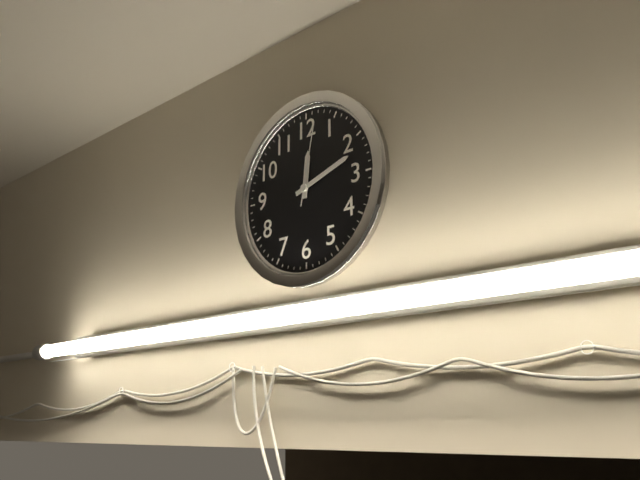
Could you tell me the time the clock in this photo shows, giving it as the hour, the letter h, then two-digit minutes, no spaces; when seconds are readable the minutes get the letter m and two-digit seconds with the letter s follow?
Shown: 12h12m02s
